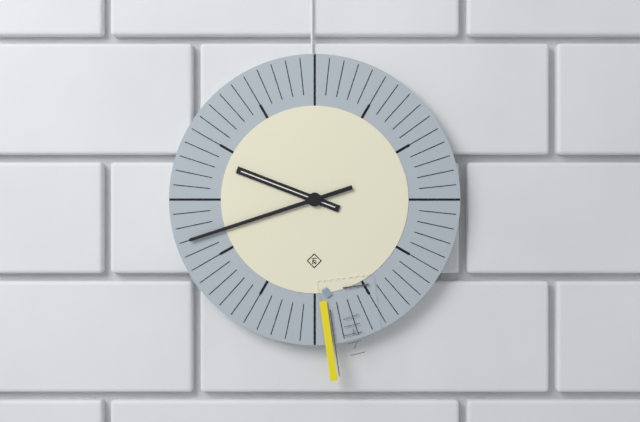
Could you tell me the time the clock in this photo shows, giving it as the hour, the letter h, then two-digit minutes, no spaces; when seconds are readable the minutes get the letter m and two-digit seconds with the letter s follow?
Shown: 9h42
